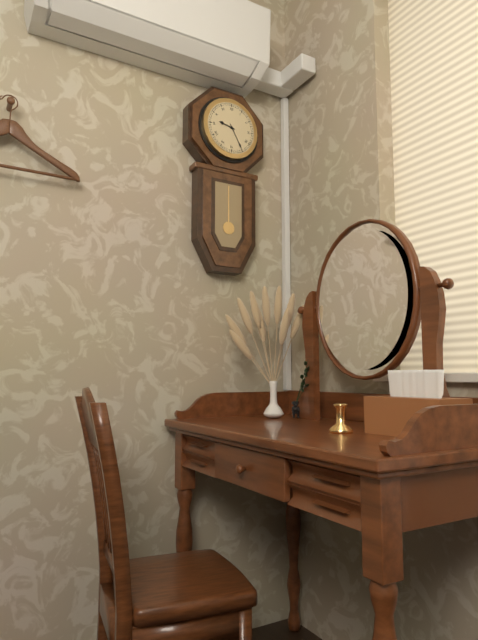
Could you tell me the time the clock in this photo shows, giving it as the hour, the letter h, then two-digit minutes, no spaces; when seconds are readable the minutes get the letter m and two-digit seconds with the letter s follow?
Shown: 9h25
